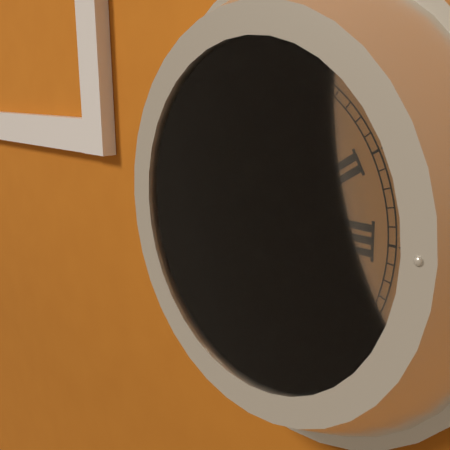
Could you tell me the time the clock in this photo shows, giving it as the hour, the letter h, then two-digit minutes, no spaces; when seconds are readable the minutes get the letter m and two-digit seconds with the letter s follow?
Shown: 9h51
